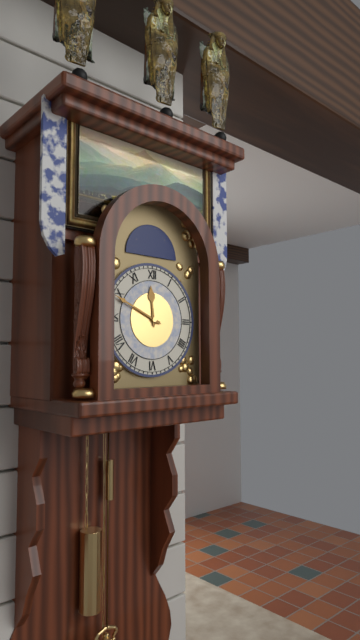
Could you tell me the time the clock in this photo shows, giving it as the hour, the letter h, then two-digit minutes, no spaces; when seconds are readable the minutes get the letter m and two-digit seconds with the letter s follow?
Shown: 11h49
